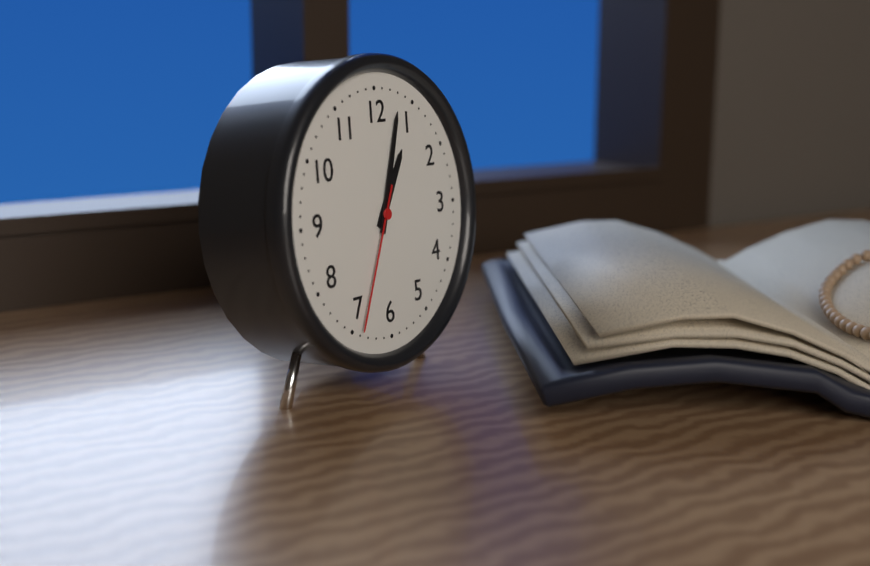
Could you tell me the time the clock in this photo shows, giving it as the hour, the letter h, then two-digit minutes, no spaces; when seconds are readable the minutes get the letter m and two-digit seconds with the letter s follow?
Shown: 1h03m34s
